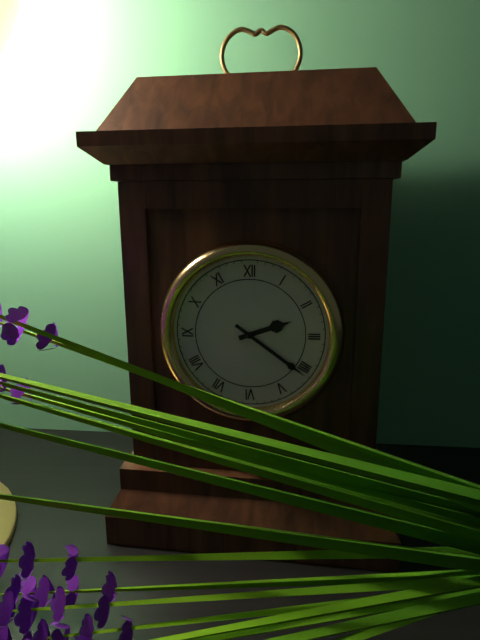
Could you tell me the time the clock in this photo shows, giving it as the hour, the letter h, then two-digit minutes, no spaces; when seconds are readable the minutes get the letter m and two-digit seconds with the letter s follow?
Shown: 2h21
